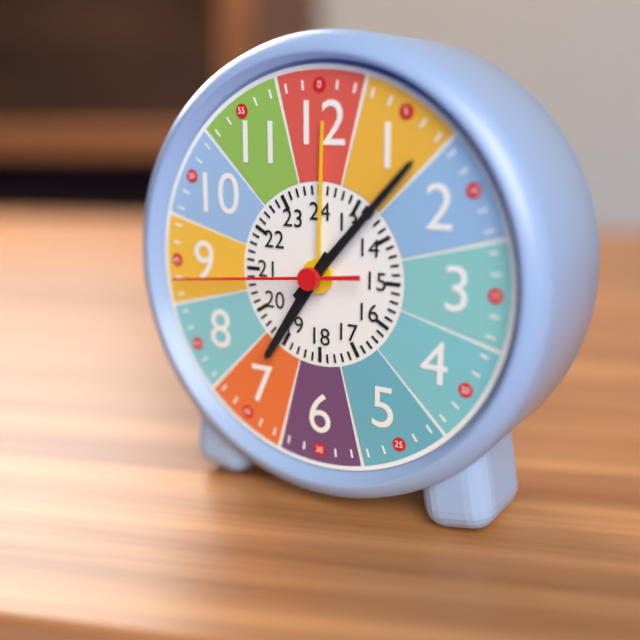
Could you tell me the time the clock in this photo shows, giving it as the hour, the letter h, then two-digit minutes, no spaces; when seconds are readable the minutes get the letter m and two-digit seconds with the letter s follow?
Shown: 7h07m44s
